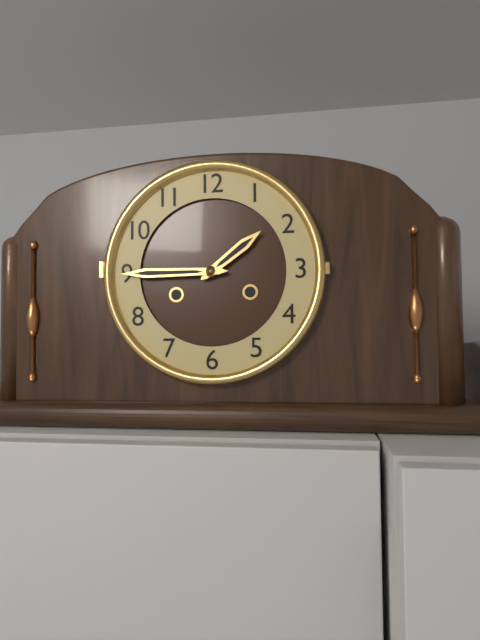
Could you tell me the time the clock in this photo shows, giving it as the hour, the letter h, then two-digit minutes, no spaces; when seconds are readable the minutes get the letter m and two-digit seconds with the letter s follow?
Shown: 1h45
